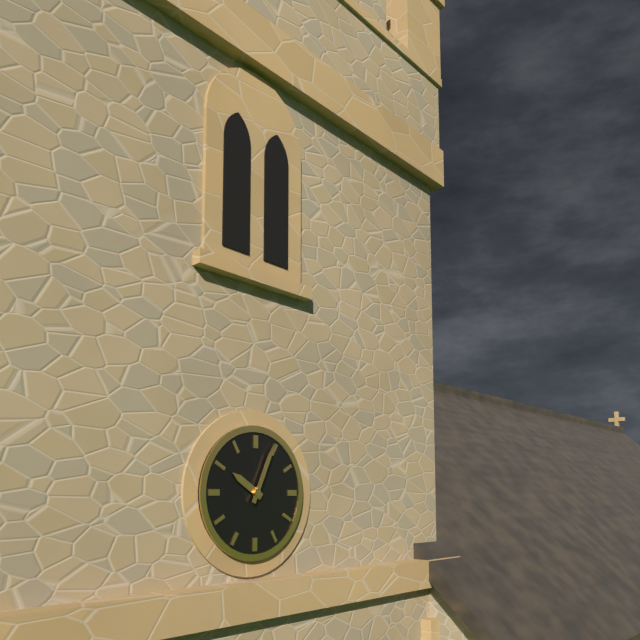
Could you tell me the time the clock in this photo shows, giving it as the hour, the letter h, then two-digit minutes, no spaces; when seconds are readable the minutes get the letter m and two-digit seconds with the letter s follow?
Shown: 10h04
